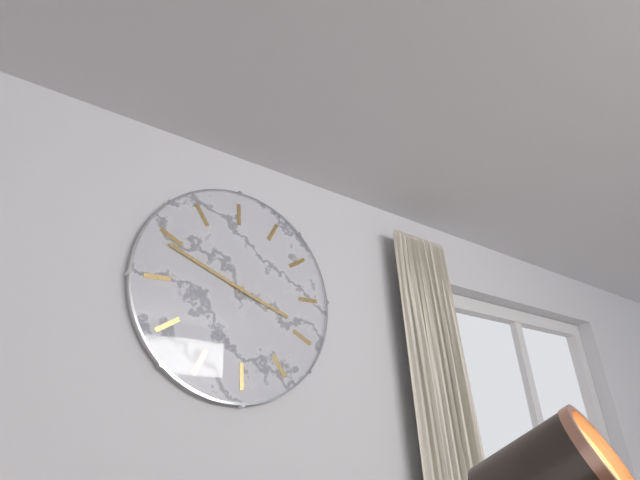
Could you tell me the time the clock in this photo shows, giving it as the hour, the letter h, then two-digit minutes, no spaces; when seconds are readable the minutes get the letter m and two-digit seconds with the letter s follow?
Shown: 2h44
